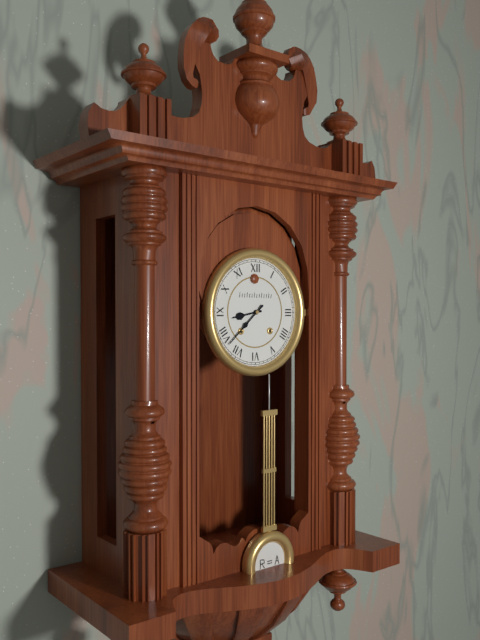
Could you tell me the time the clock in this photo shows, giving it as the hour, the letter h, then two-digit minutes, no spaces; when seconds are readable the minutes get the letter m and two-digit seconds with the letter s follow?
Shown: 8h38
